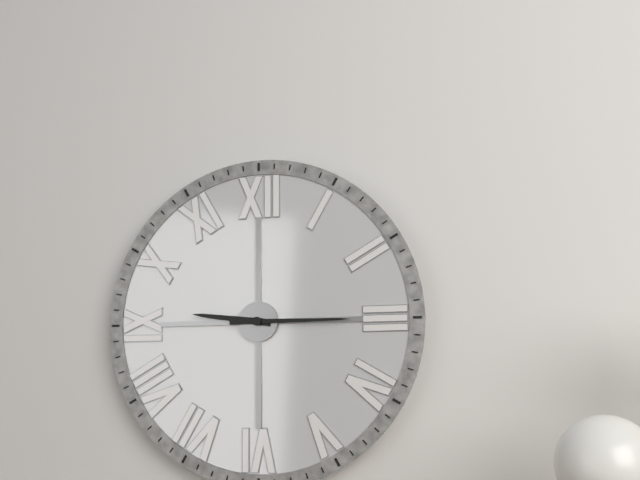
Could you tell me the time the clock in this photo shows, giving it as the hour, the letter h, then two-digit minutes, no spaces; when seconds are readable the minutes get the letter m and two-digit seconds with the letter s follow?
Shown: 9h15
